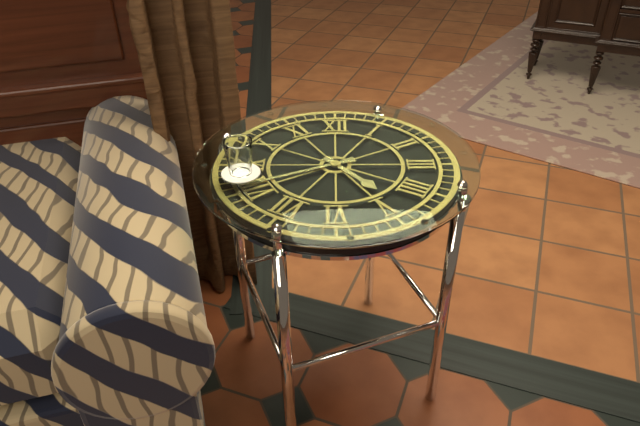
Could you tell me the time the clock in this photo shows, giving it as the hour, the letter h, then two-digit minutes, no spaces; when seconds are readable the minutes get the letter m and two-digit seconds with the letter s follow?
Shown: 4h41
